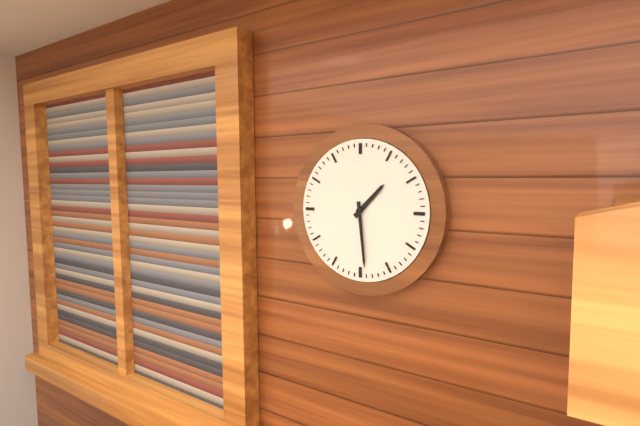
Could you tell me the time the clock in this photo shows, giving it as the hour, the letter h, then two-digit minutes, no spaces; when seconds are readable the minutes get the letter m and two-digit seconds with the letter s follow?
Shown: 1h29
